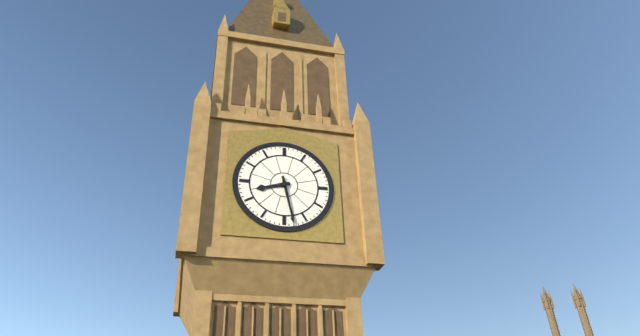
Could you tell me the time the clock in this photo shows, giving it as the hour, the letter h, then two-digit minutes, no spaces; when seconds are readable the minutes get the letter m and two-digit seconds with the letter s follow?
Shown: 8h28
